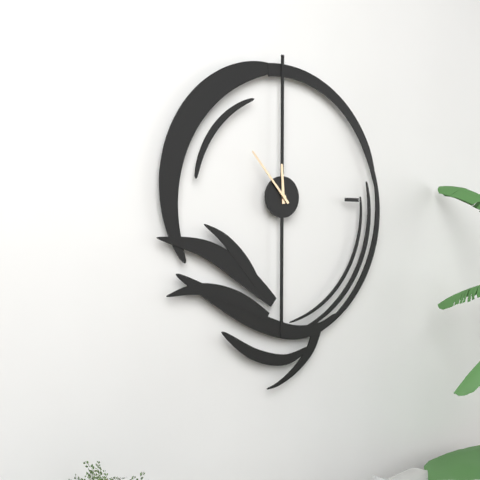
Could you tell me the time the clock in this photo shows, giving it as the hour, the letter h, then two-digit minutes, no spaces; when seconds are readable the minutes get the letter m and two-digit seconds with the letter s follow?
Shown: 11h53
